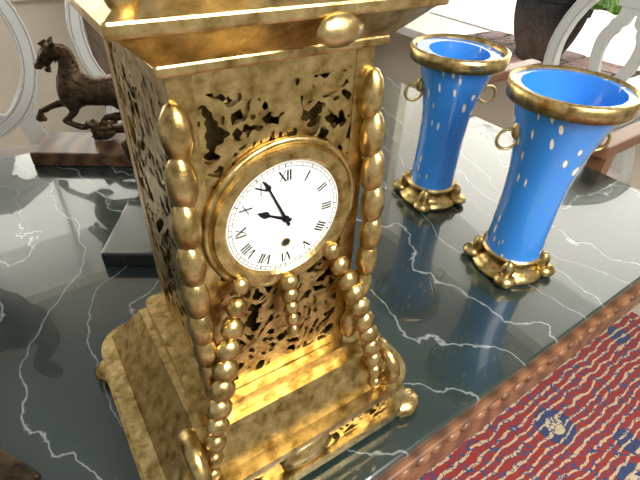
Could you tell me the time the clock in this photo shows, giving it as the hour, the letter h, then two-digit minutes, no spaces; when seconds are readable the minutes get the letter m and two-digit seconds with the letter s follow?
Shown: 9h56
